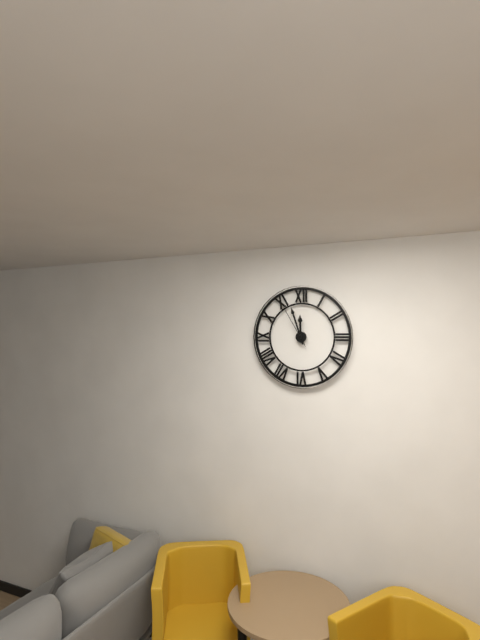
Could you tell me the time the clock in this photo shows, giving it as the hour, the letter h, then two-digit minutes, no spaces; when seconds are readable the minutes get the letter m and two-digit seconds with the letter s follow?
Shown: 11h57
